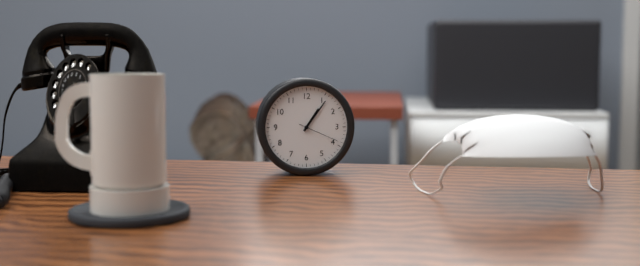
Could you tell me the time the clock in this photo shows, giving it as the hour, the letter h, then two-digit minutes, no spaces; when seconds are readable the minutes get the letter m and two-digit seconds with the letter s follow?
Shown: 1h06
